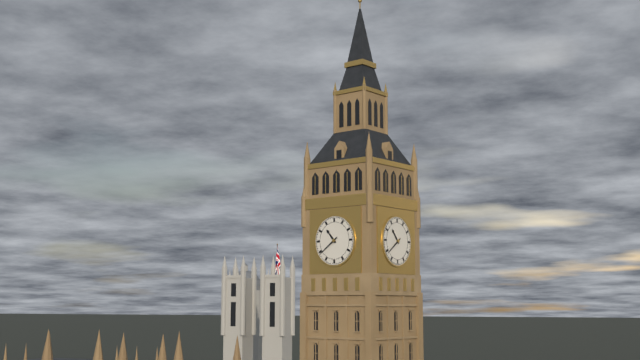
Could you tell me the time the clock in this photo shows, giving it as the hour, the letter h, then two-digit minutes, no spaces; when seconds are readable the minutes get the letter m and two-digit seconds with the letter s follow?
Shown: 10h39
